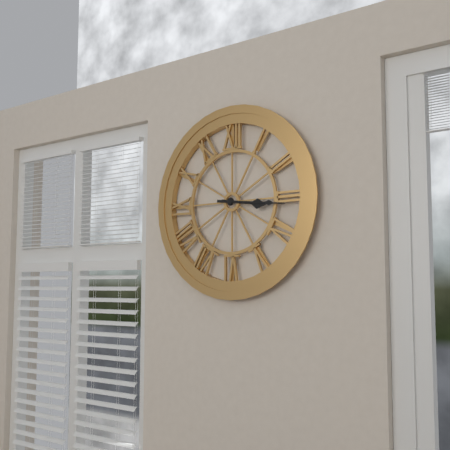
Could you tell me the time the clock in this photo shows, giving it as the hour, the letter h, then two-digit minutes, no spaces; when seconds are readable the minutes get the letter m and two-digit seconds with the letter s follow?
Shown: 3h16
